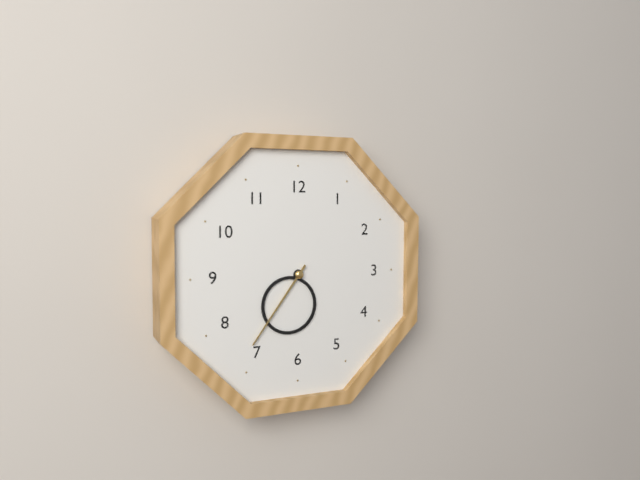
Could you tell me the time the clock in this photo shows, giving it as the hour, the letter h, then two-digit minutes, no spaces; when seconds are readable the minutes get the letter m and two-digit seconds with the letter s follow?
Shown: 6h36
